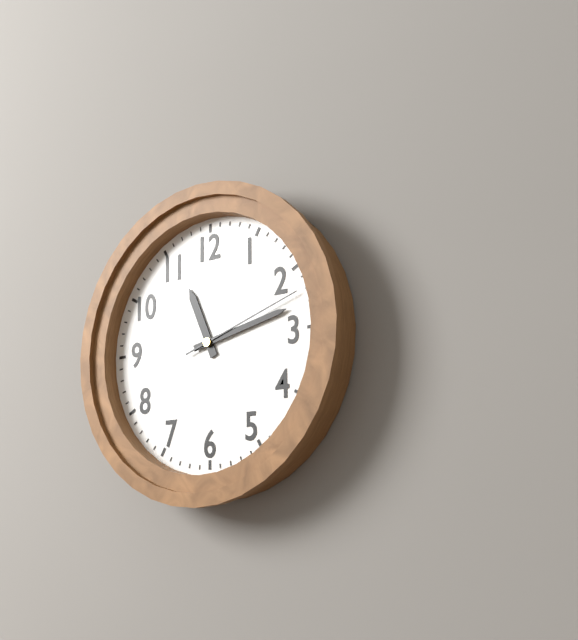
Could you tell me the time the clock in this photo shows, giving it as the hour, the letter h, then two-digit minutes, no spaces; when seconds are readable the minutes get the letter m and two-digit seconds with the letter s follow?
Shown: 11h13m12s
